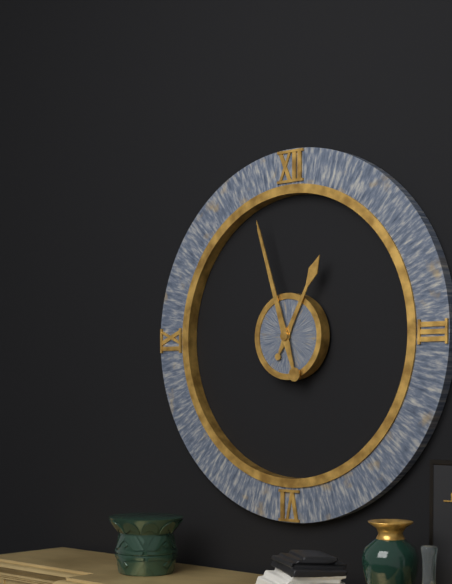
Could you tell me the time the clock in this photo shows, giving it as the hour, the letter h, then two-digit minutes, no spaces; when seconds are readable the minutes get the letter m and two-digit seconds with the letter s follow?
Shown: 12h57
